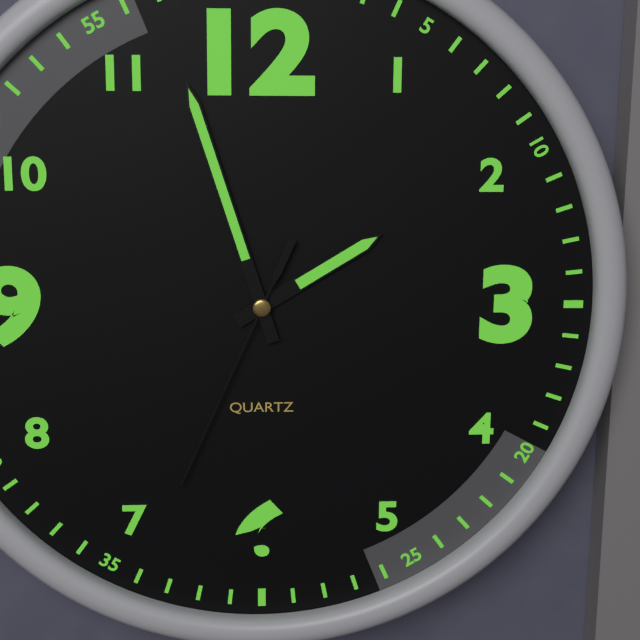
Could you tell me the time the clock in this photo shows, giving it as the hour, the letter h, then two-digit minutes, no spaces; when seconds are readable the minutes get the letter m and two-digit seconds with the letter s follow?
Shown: 1h57m34s
